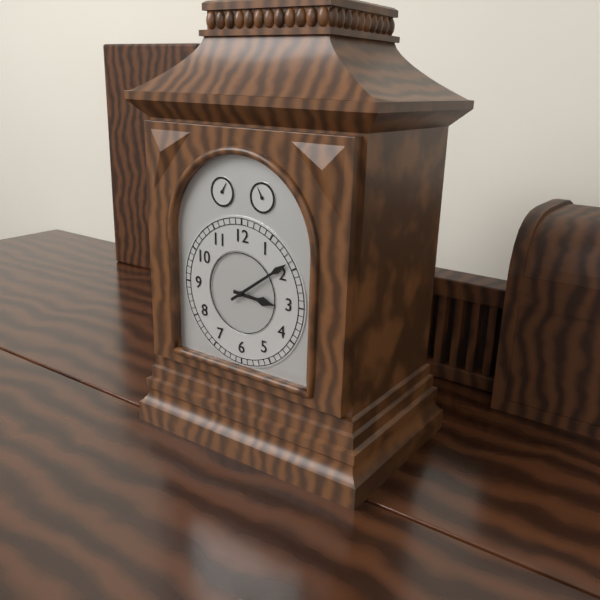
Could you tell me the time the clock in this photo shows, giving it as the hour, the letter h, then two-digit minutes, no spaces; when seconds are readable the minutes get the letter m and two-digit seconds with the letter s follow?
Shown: 3h09
